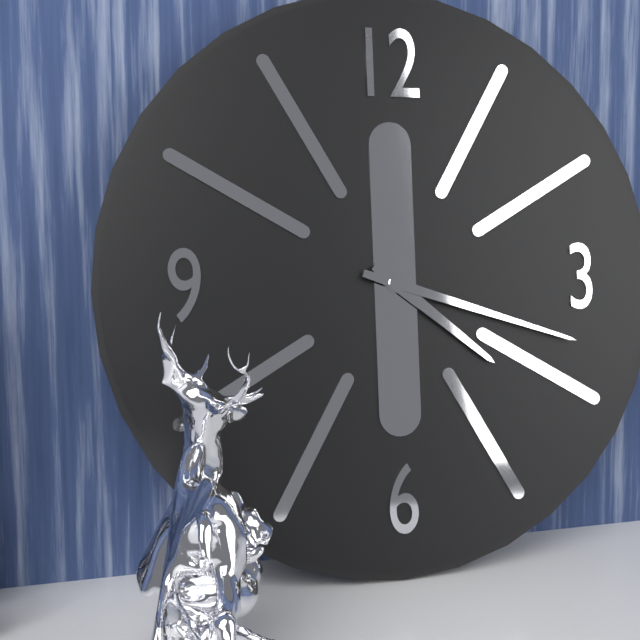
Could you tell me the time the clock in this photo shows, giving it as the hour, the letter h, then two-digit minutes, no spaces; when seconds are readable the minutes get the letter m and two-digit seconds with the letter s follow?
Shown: 4h18
